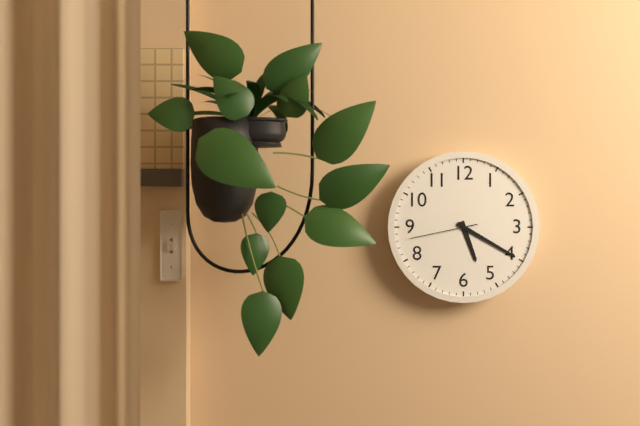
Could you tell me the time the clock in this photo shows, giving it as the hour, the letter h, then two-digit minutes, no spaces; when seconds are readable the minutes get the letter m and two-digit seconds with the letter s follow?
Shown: 5h20m43s
